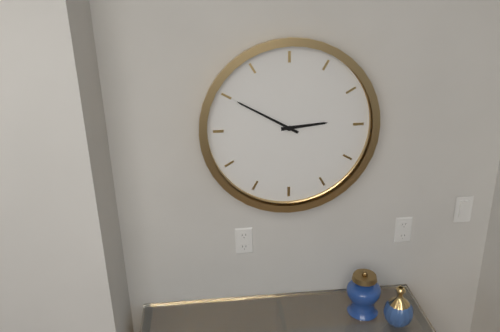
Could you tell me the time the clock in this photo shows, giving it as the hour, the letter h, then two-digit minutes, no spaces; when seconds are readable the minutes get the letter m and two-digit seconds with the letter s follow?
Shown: 2h50
